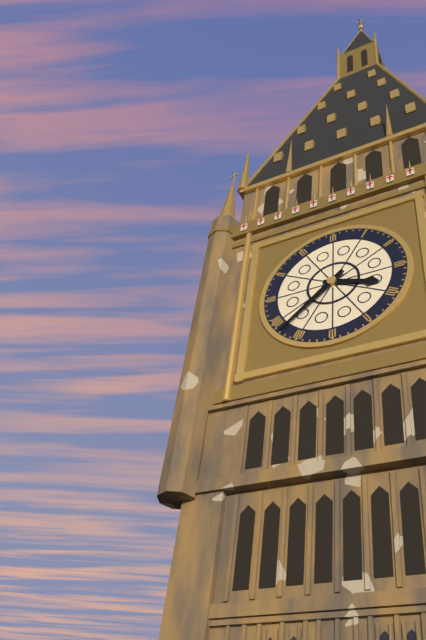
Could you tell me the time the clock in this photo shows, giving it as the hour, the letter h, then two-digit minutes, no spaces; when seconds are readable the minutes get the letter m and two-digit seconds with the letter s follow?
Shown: 3h38
